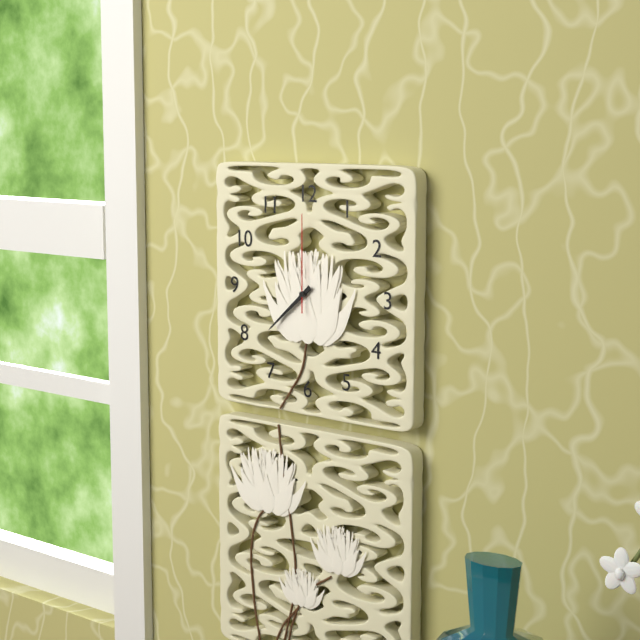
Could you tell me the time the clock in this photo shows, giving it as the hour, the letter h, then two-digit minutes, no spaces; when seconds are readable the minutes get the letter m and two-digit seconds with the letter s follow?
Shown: 7h38m00s
